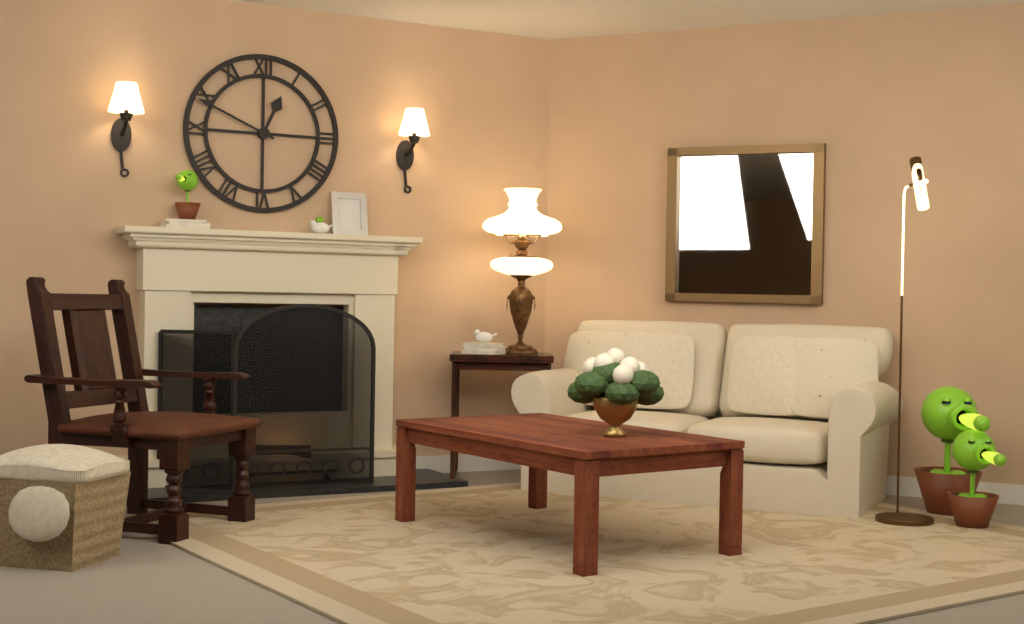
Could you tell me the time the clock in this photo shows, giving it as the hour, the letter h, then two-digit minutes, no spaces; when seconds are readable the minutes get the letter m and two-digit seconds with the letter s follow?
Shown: 12h49
